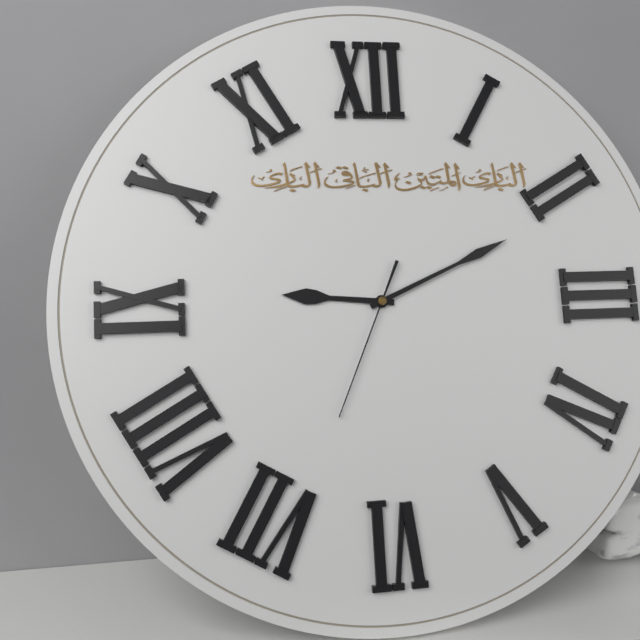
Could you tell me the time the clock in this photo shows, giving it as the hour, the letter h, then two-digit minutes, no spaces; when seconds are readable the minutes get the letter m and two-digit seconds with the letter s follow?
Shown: 9h11m34s
